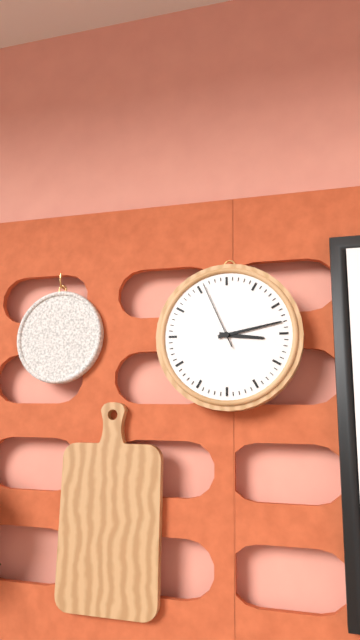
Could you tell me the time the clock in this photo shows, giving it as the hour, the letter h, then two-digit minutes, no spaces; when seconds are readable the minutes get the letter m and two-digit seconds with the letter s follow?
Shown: 3h13m56s
